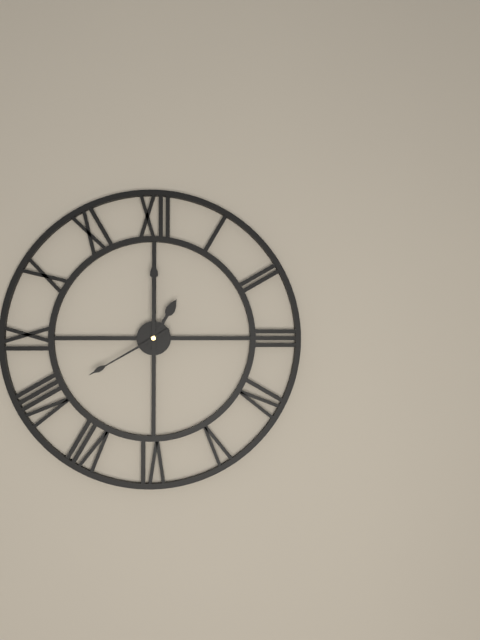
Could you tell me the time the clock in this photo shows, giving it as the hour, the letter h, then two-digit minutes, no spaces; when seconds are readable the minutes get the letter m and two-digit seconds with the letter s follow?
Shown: 1h00m40s
